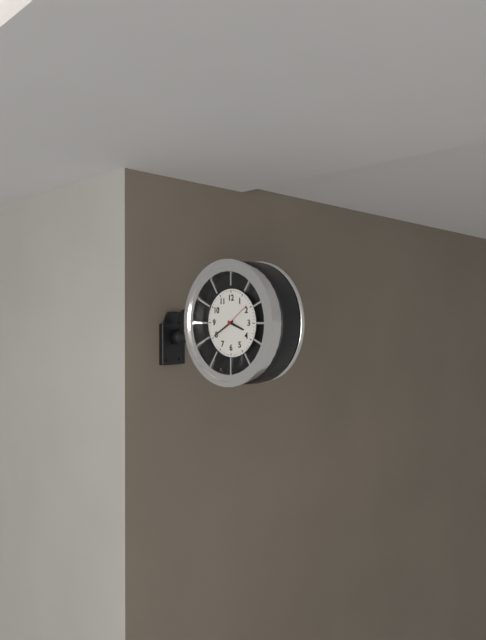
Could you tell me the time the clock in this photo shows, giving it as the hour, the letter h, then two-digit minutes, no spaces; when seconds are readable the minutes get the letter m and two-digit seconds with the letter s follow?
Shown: 3h40
